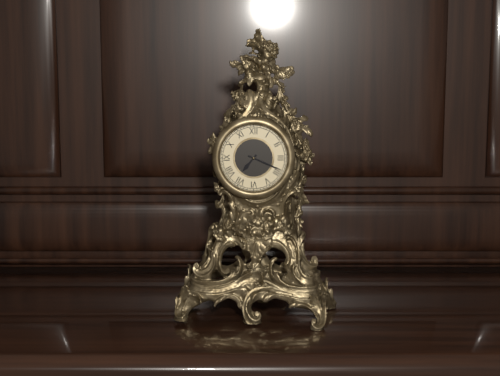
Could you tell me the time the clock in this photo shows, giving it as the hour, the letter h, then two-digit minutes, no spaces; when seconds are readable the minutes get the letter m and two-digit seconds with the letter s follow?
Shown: 7h19
